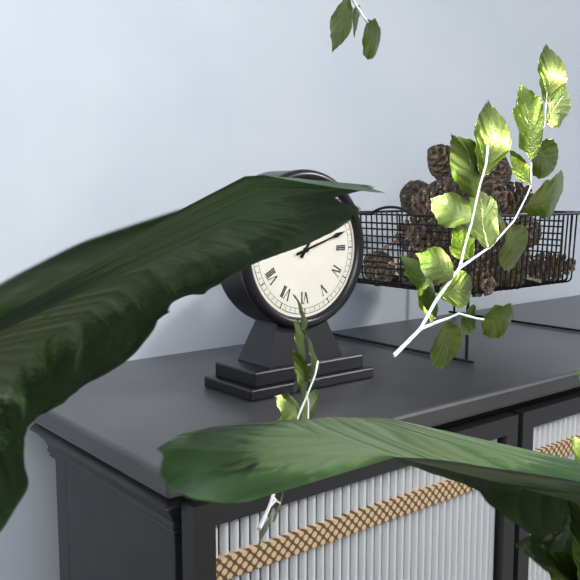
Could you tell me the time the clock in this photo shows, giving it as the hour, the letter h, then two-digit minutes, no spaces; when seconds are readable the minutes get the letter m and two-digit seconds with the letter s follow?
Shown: 1h12
